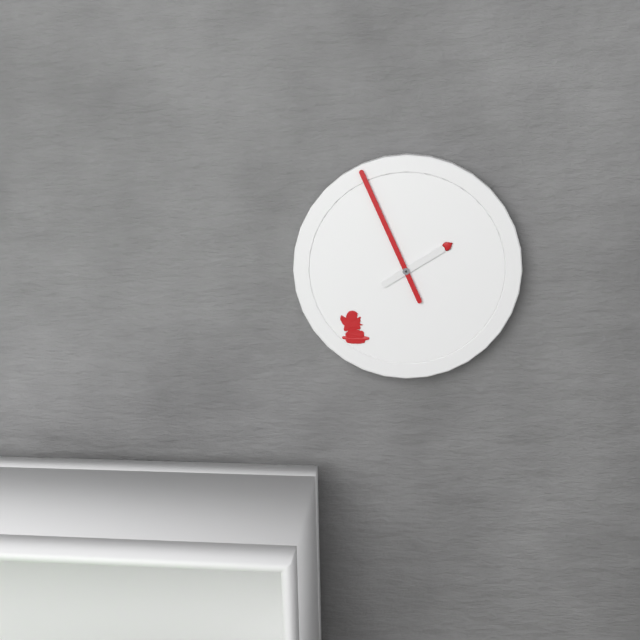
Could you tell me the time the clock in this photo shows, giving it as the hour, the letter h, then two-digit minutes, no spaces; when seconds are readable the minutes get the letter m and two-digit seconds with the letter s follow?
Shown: 1h56
